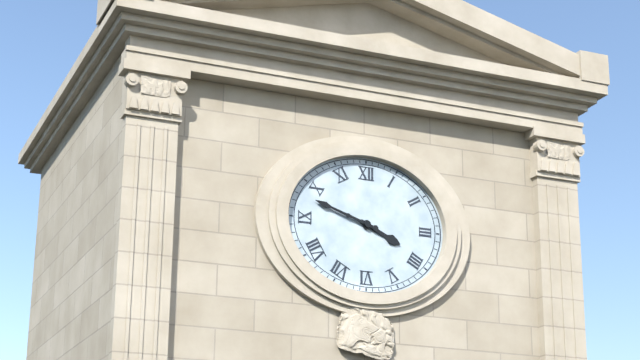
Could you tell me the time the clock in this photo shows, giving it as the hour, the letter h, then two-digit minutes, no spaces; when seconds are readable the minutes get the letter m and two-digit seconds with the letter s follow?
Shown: 3h48
